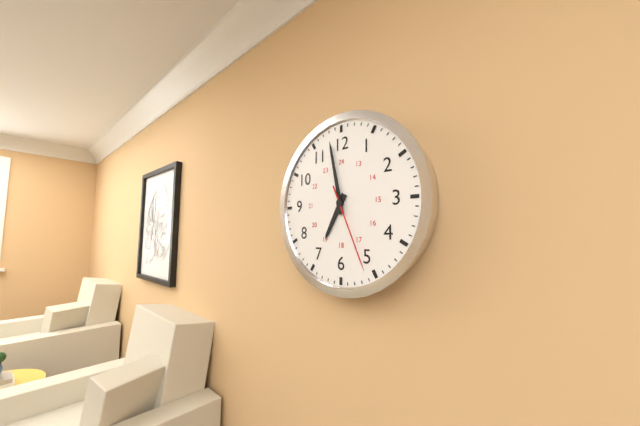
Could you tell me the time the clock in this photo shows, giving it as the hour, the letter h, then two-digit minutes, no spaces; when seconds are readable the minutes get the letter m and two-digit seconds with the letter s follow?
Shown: 6h58m26s
